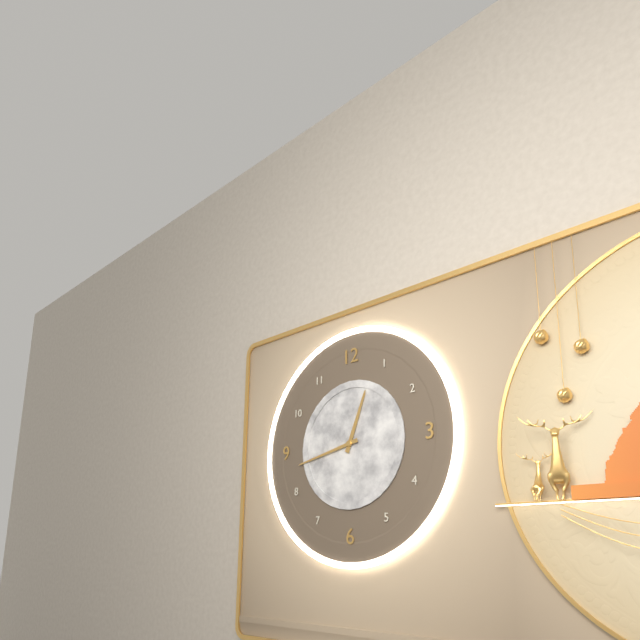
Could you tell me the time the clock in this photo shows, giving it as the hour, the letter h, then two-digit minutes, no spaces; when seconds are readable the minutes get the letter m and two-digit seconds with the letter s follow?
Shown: 12h43
